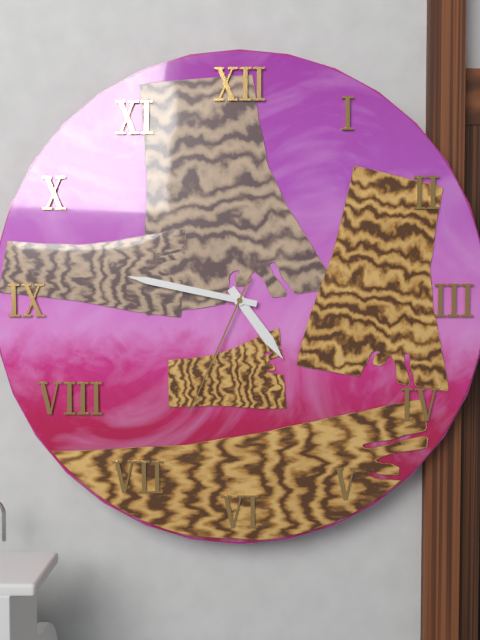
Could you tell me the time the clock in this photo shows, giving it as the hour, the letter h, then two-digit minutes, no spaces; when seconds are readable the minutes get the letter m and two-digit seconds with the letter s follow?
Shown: 4h47m34s
